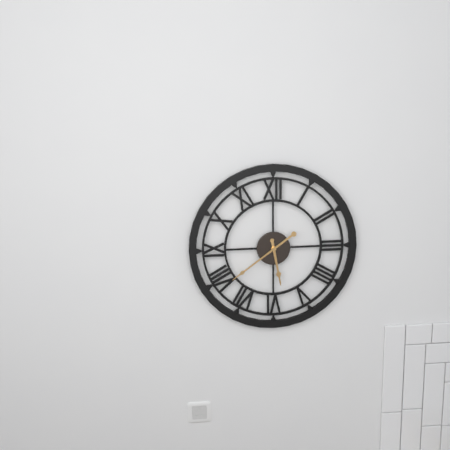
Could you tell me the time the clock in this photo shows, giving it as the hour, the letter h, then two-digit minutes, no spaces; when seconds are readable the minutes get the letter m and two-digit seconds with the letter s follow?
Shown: 5h39
